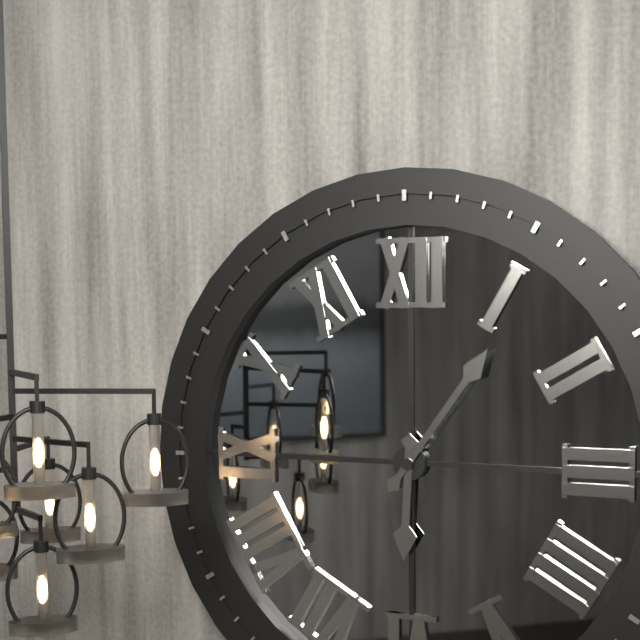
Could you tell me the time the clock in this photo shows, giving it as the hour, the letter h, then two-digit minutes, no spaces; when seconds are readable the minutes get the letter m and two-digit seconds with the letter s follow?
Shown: 6h06
